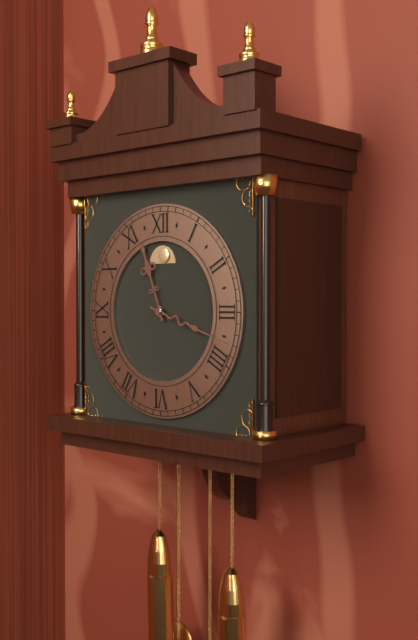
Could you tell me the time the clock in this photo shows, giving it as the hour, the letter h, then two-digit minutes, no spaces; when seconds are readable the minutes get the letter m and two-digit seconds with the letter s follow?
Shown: 11h18
